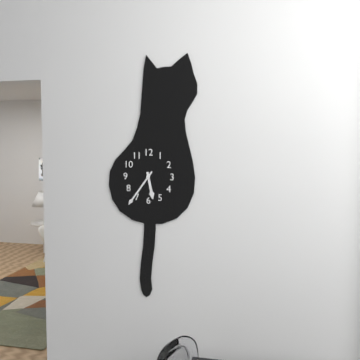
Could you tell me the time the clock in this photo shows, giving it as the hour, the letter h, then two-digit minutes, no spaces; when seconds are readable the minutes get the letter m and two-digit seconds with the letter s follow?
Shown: 5h36
